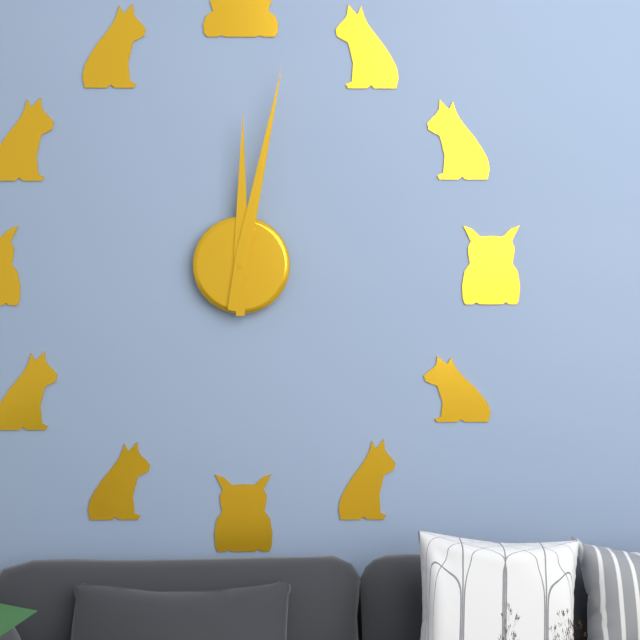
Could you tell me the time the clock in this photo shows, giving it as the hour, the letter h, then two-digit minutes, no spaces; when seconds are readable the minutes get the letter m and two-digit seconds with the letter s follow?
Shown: 12h02
